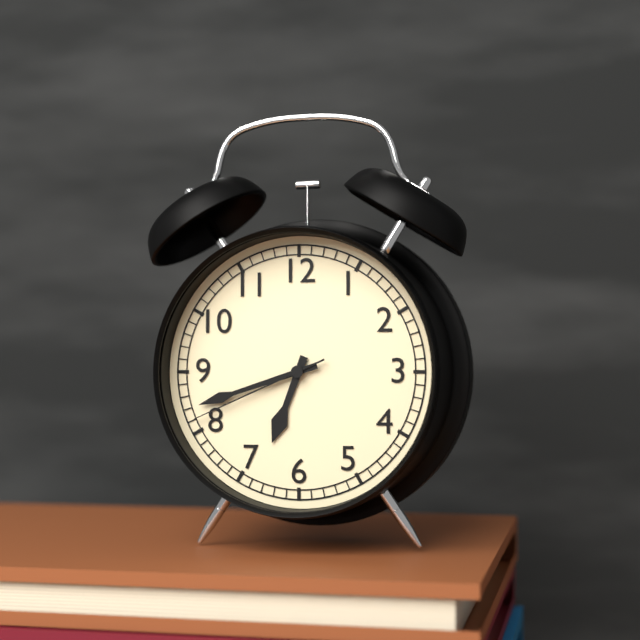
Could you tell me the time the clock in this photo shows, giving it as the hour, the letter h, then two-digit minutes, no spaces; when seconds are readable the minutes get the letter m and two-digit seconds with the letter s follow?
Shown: 6h42m41s
